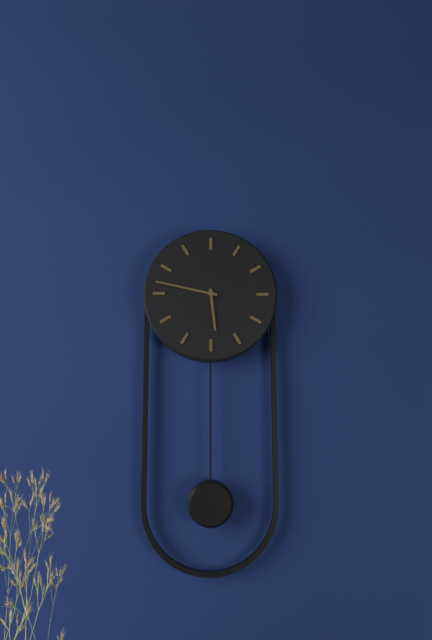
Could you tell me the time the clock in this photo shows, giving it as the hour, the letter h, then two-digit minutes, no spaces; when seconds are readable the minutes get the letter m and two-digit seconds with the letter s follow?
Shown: 5h47
